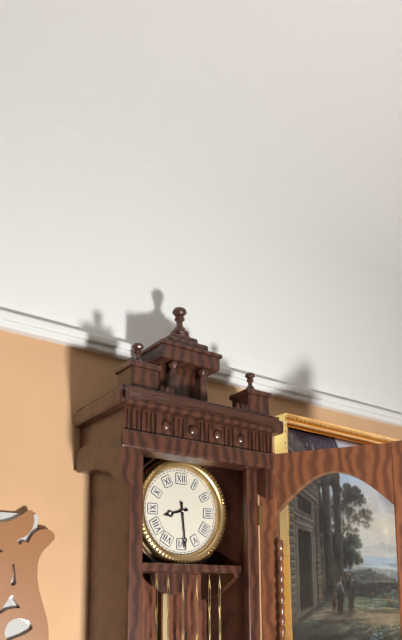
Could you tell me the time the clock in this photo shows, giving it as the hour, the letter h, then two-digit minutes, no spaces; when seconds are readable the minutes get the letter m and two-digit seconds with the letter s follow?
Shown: 8h29
